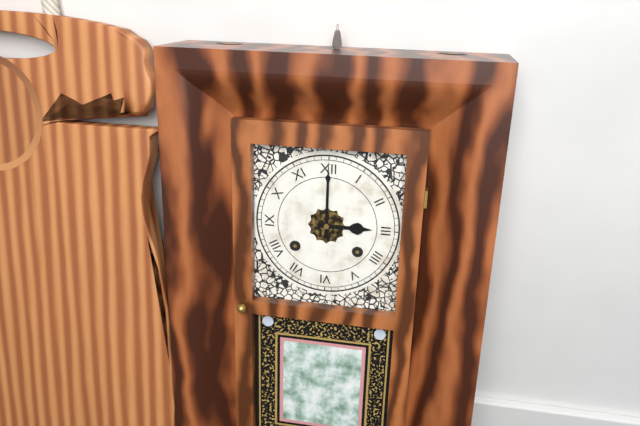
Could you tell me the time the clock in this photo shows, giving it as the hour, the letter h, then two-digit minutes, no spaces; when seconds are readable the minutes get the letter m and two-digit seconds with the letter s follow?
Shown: 3h00
